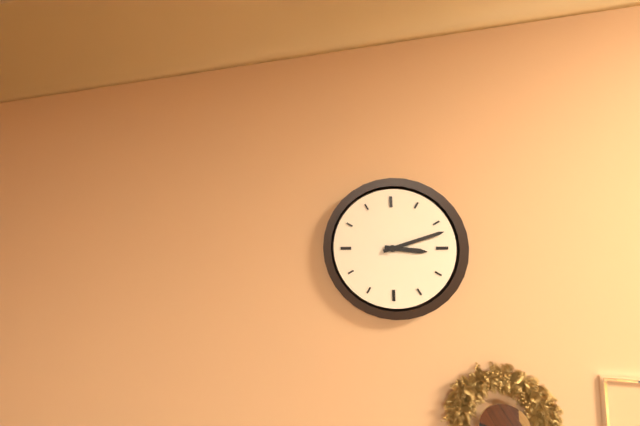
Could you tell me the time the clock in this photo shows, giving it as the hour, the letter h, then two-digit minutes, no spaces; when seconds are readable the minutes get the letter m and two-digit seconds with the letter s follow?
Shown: 3h12
